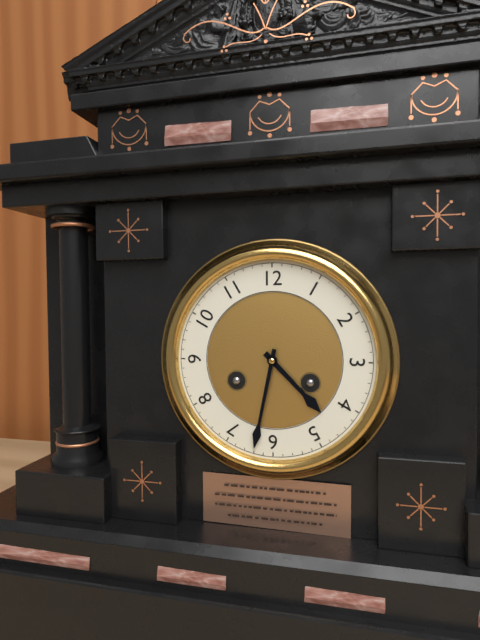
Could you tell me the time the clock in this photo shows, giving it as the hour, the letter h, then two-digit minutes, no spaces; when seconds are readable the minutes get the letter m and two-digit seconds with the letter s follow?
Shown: 4h32
